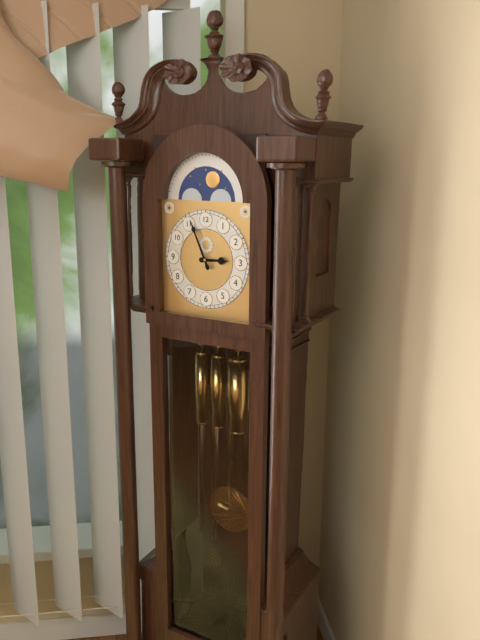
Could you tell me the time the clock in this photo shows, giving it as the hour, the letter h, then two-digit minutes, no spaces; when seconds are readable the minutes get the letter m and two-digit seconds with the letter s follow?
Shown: 2h56
